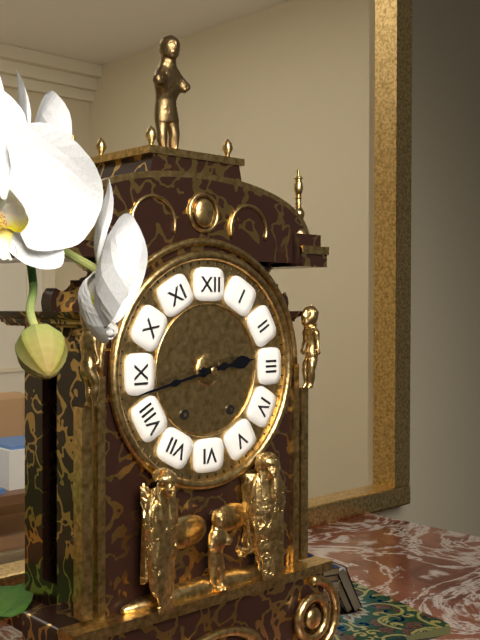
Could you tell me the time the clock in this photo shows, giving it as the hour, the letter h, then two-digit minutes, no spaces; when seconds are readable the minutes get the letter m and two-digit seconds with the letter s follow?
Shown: 2h43
